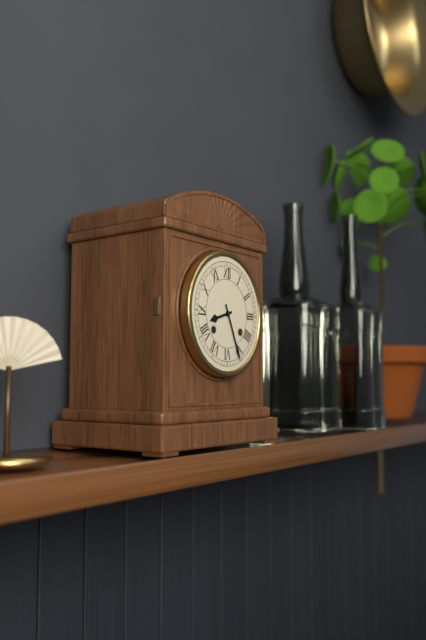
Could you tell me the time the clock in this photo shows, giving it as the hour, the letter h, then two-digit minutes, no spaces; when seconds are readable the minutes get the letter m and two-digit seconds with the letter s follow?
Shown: 8h26
